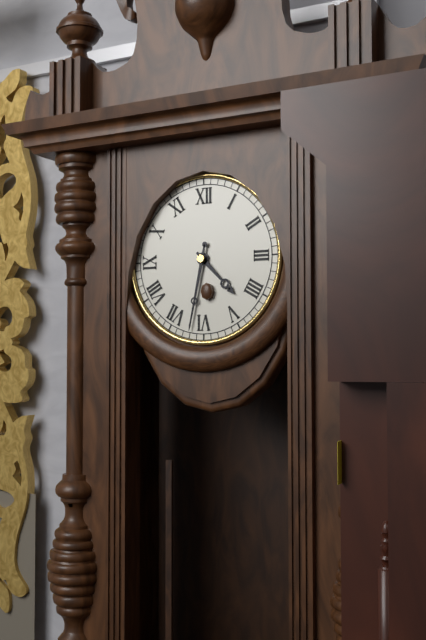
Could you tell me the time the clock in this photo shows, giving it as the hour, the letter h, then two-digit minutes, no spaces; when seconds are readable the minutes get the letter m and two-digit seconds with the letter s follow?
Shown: 4h32
